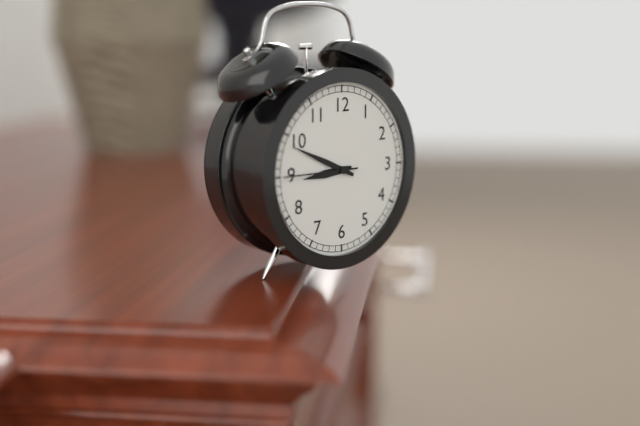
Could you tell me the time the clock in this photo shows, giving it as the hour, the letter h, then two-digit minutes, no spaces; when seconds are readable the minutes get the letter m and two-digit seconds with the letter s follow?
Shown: 8h49m45s
